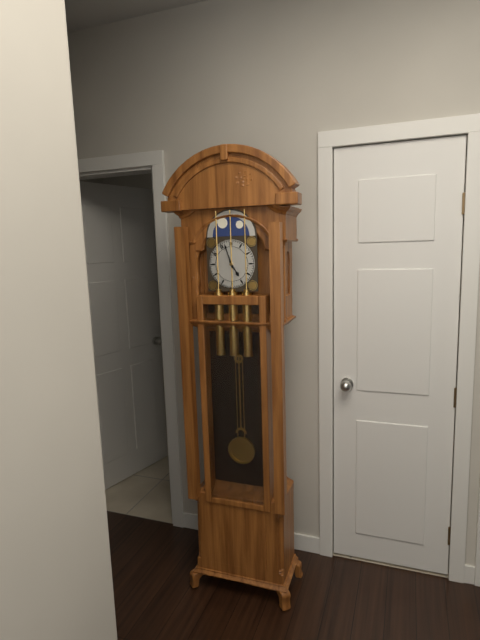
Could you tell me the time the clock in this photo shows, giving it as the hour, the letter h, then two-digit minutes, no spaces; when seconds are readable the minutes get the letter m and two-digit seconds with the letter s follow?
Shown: 4h57
